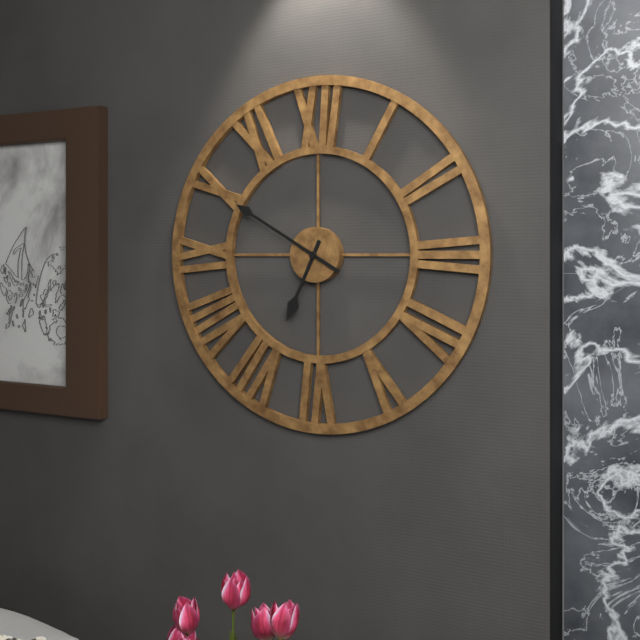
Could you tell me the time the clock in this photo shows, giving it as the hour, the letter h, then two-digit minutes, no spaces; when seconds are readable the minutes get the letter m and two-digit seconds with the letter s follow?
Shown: 6h50
